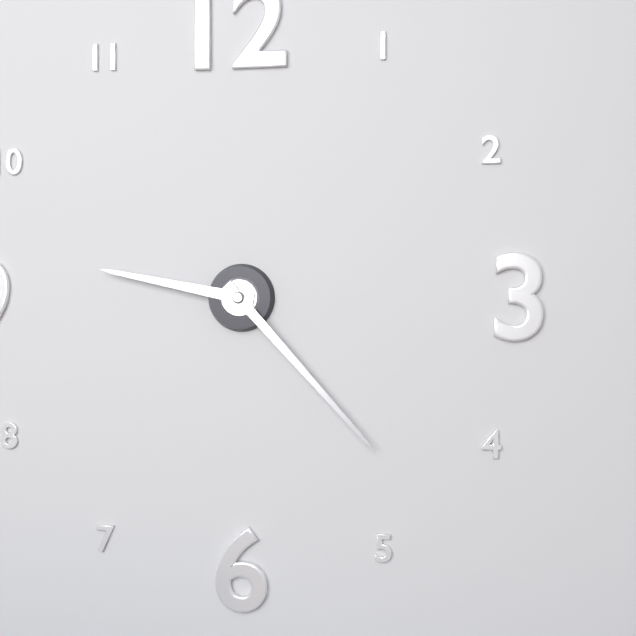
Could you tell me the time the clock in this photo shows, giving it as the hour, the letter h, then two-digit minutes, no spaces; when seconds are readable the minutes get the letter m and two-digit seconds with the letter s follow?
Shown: 9h23
